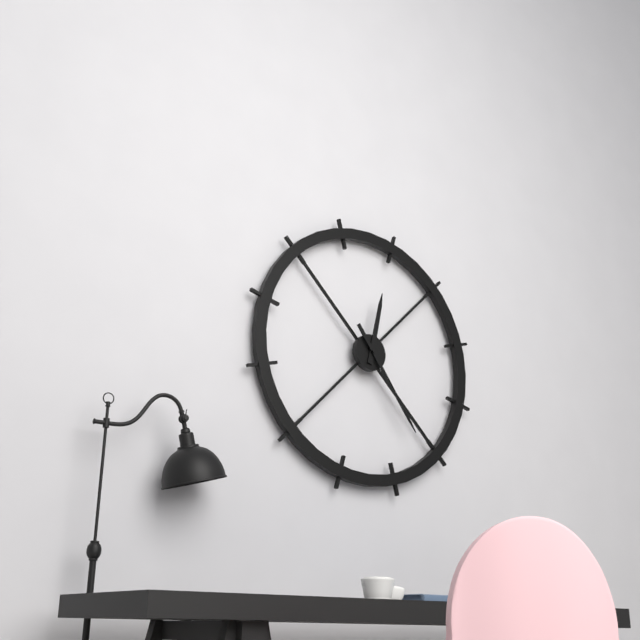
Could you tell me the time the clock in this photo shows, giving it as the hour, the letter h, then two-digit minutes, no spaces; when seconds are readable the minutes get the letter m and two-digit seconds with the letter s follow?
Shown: 12h24
